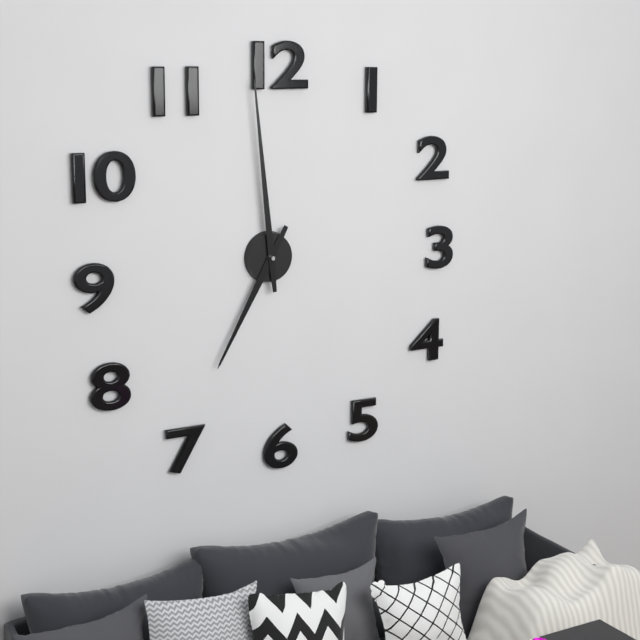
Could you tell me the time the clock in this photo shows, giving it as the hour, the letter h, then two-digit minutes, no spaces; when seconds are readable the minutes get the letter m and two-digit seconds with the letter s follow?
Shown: 6h59
